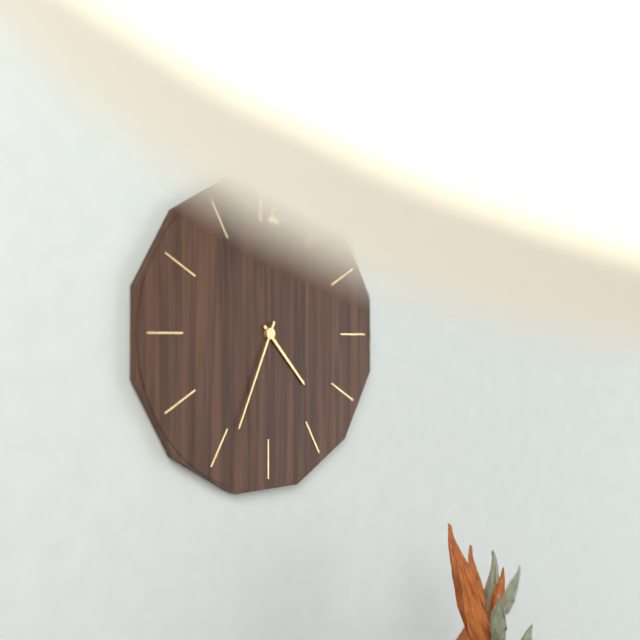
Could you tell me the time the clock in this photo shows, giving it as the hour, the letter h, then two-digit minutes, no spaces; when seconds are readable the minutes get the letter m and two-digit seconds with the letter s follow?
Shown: 4h34
